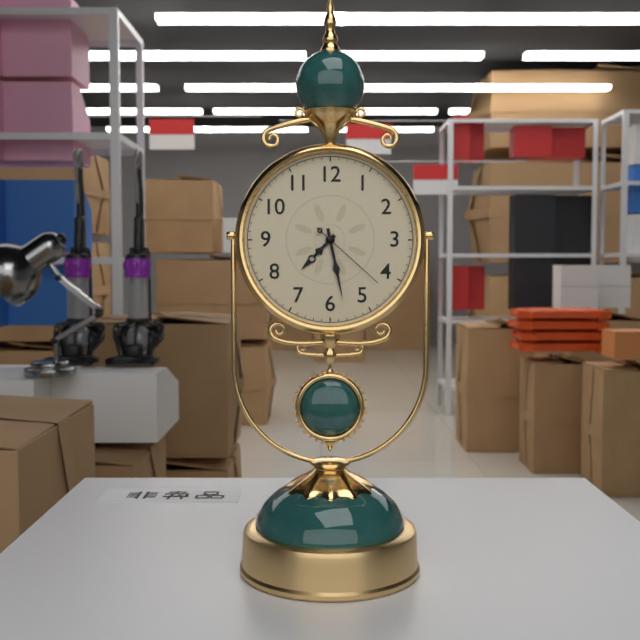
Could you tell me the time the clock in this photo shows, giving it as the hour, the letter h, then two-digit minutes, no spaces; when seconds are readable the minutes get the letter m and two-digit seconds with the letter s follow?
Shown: 7h28m22s
